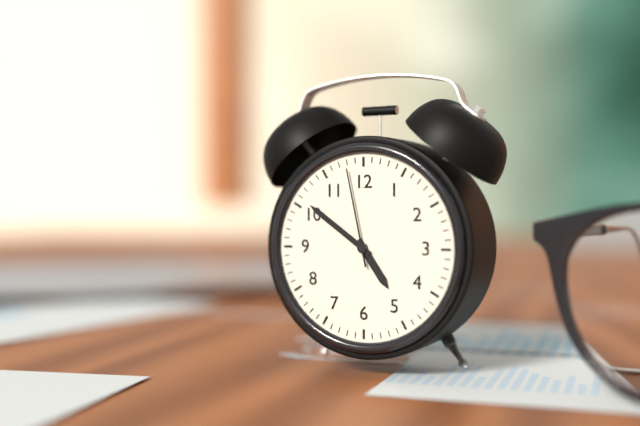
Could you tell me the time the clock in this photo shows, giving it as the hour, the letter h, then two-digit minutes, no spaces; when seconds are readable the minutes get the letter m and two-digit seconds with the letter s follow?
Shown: 4h51m58s
